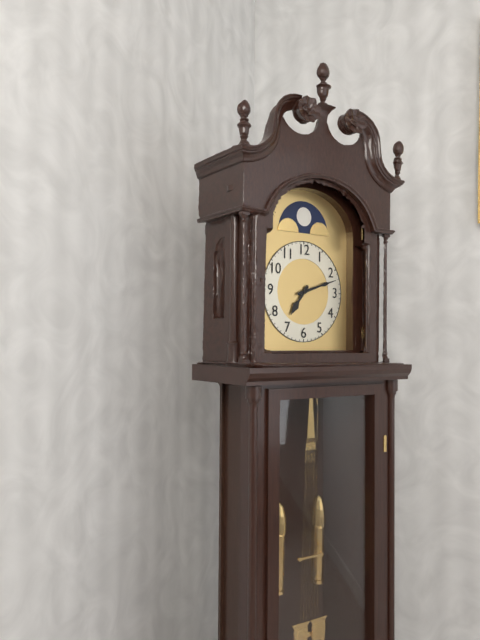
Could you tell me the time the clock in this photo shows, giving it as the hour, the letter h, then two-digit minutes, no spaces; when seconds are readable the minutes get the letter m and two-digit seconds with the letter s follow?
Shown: 7h12
